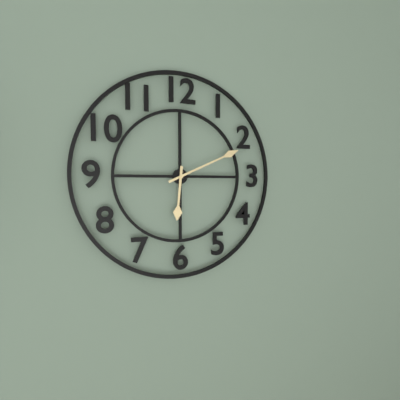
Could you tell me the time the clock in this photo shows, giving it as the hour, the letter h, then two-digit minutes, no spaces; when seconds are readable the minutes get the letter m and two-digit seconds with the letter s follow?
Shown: 6h11
